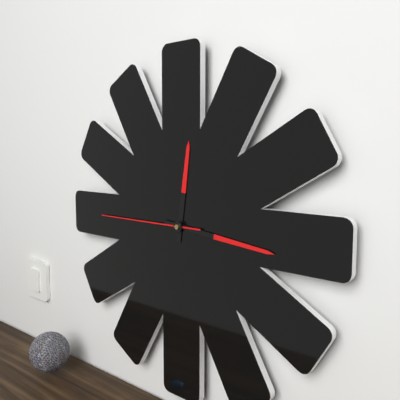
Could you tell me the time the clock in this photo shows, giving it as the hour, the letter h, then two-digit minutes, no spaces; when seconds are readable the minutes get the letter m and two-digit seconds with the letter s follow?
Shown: 12h16m45s
